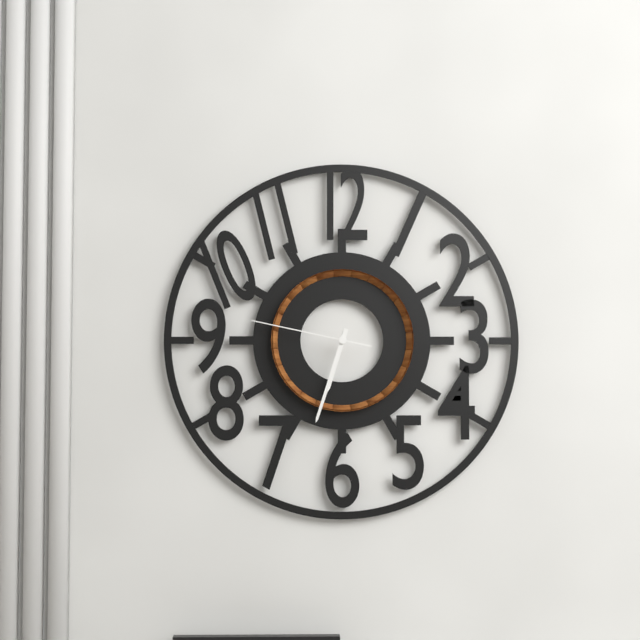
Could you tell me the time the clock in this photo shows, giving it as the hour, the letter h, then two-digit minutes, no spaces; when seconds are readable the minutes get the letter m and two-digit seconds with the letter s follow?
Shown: 6h33m47s
